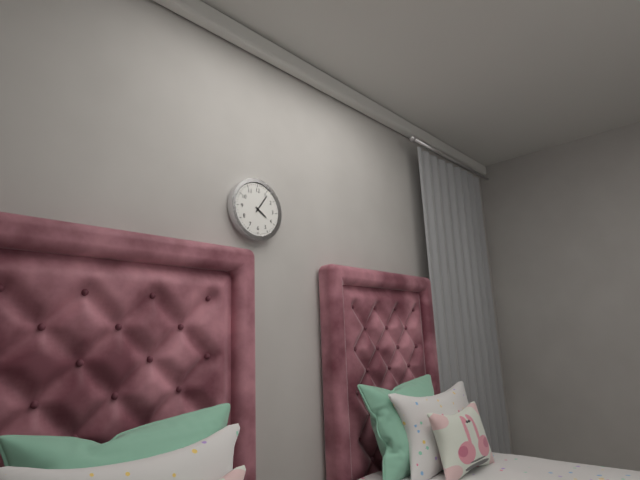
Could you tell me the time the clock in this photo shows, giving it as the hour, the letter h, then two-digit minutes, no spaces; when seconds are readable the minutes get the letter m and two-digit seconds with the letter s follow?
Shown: 4h06
